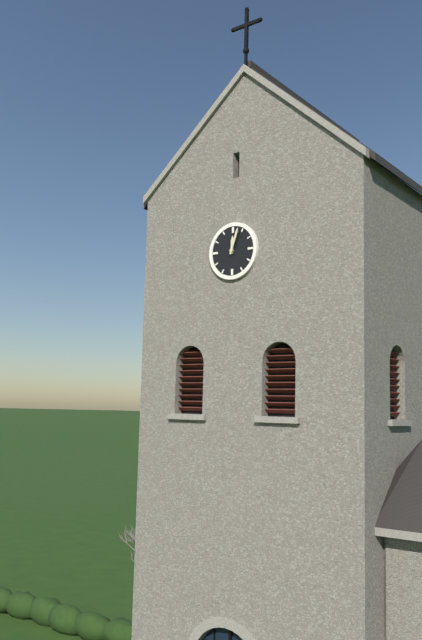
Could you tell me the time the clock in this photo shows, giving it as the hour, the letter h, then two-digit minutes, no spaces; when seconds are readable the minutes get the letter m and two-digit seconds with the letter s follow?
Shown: 12h03
